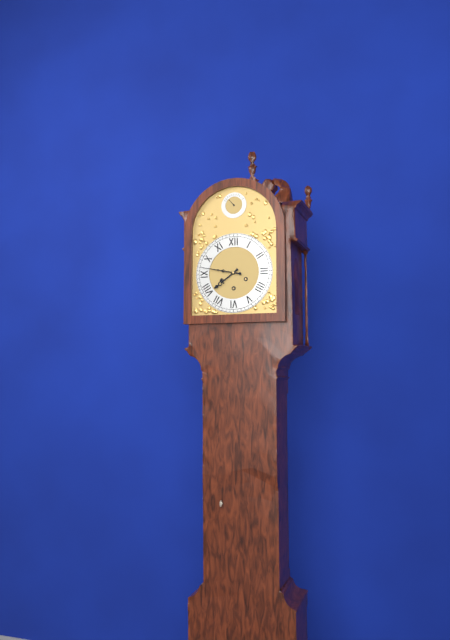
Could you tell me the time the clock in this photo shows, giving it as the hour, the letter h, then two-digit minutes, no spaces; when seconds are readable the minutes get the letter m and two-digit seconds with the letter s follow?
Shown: 7h47
